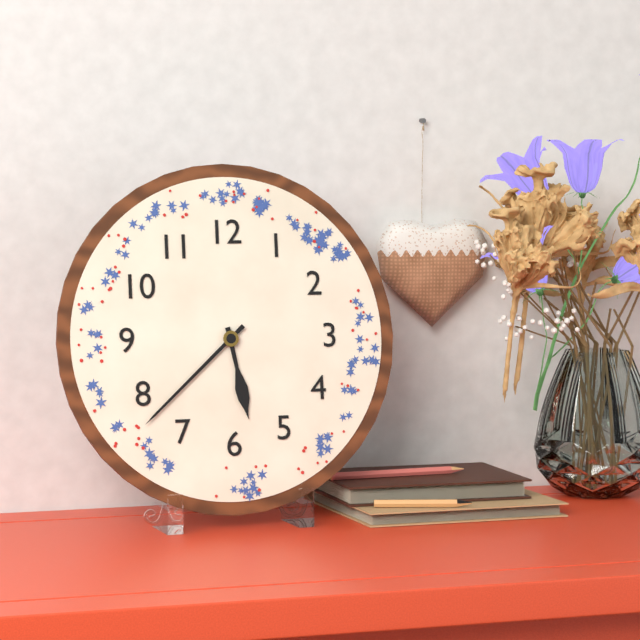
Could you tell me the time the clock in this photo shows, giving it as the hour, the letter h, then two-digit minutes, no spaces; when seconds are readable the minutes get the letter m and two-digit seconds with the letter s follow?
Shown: 5h38
